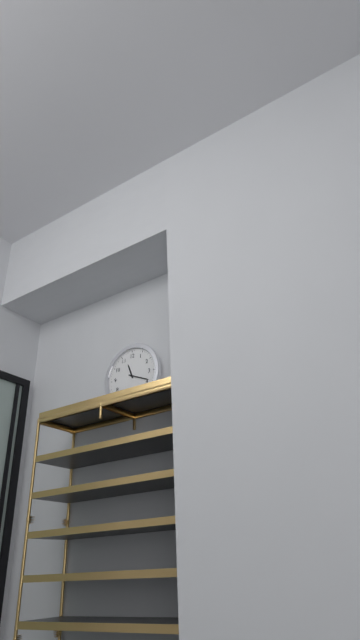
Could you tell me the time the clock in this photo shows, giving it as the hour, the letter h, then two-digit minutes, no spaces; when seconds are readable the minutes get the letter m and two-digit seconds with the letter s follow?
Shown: 11h19
